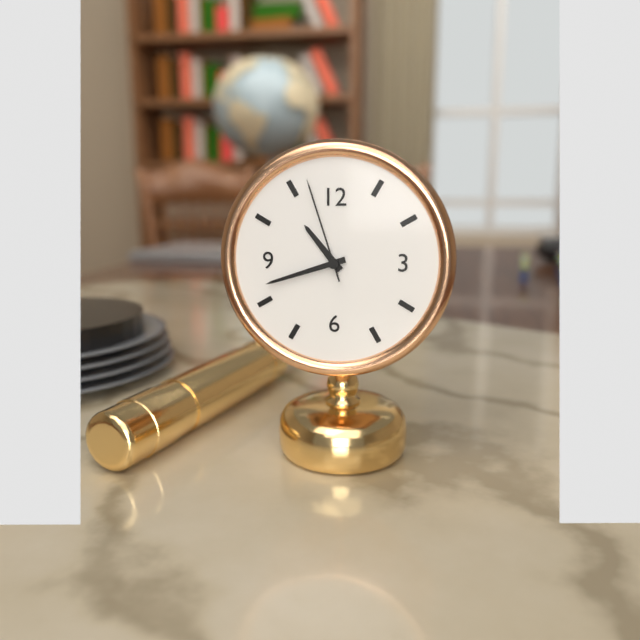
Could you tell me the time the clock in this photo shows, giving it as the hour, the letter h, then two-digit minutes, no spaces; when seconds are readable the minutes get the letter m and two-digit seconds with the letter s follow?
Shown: 10h42m57s
